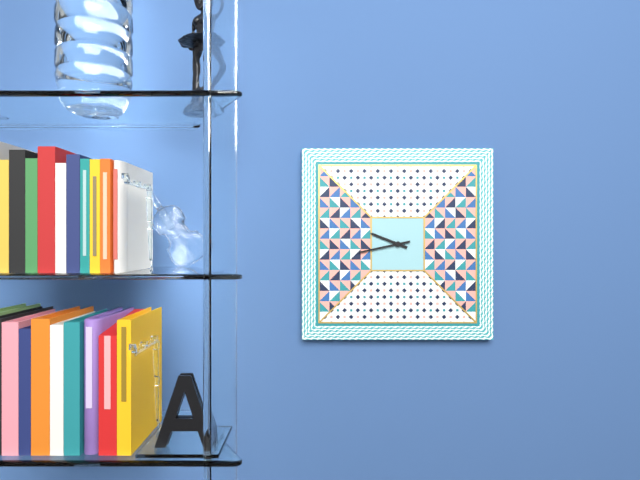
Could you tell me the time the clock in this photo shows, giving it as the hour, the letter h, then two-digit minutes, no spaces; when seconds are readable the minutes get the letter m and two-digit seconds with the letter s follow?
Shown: 9h43
